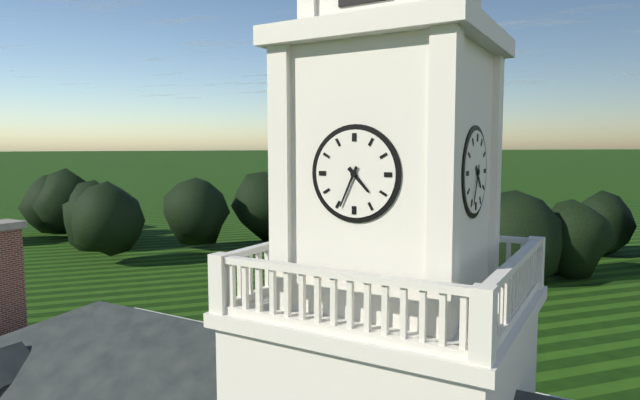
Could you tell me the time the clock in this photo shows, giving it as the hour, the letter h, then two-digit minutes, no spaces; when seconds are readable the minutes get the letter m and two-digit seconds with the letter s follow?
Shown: 4h34
